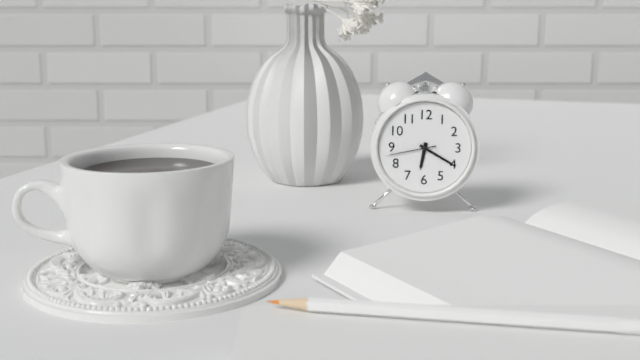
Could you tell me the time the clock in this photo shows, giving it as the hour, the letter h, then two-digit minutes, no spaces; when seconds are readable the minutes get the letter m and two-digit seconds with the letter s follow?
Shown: 6h20
